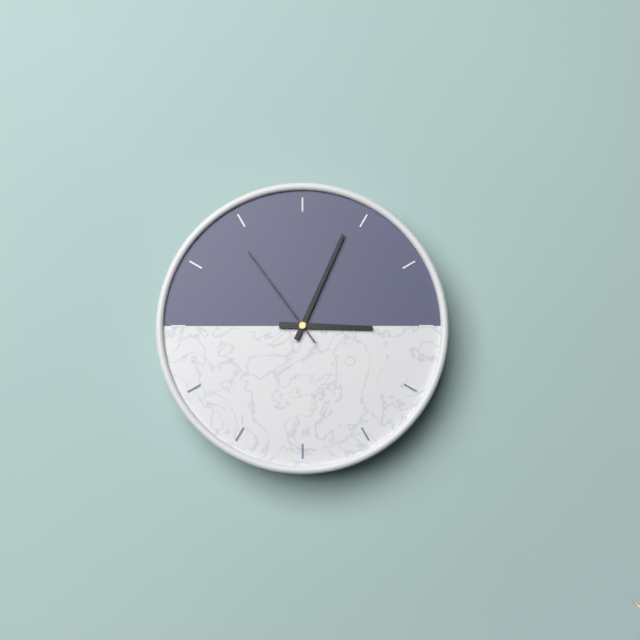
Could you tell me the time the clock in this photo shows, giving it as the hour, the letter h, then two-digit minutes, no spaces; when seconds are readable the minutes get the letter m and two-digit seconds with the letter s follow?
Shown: 3h04m54s
